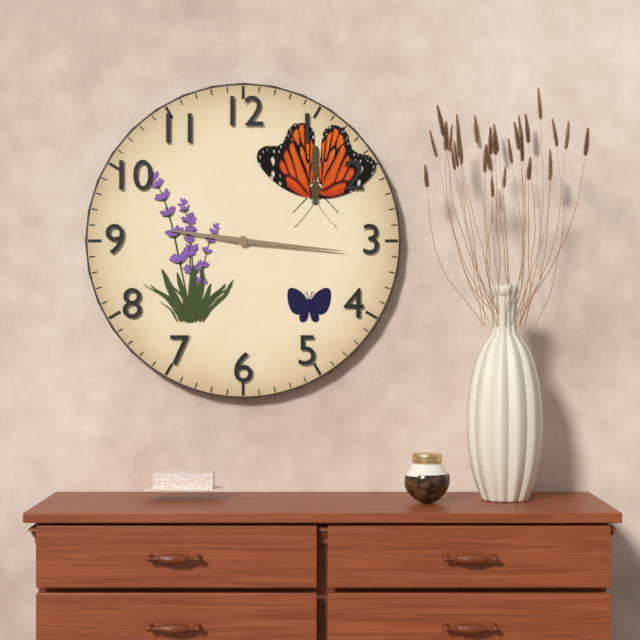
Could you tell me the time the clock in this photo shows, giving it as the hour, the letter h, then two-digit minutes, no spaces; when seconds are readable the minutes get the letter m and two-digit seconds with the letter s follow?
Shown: 9h16
